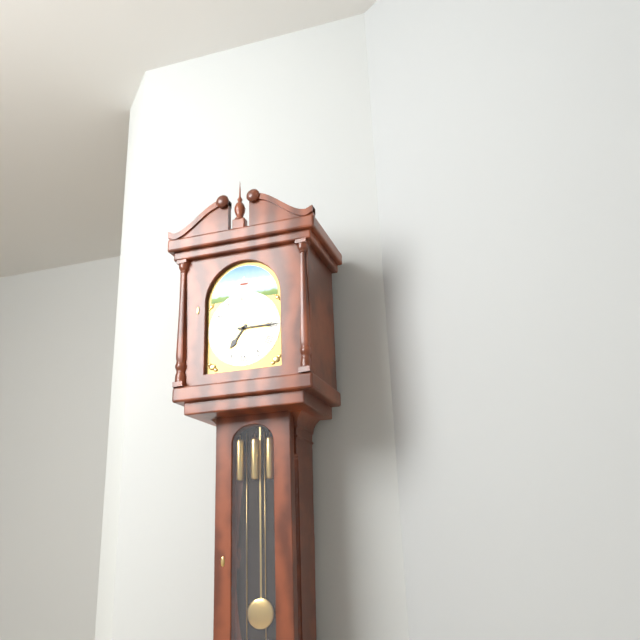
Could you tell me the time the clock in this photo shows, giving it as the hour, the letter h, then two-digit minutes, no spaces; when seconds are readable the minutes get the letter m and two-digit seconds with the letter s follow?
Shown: 7h15
